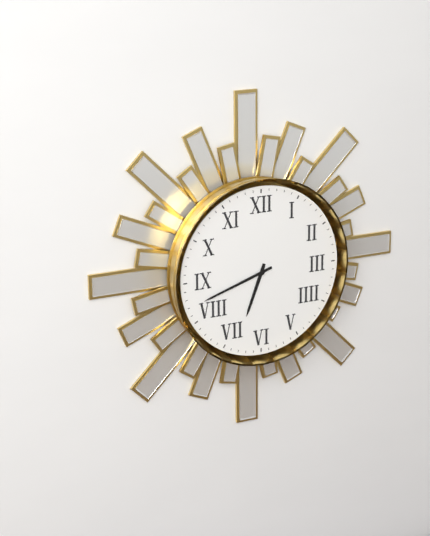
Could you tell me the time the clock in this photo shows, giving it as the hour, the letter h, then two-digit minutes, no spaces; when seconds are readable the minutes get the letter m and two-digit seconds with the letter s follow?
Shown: 6h42
